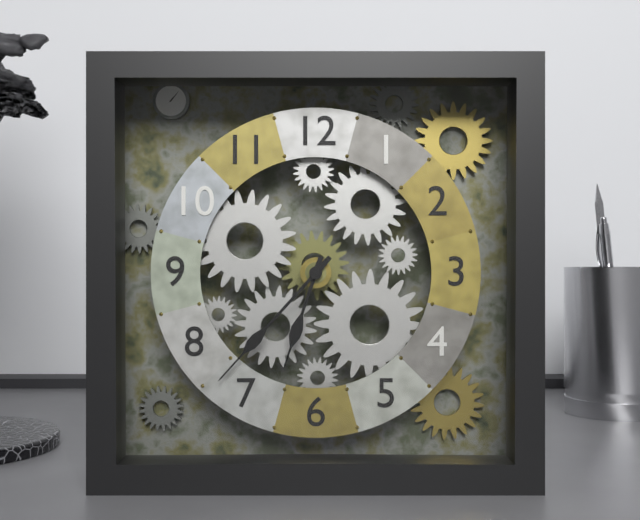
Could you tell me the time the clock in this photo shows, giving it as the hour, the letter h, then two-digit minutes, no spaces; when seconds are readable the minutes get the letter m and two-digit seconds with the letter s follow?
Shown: 6h37
